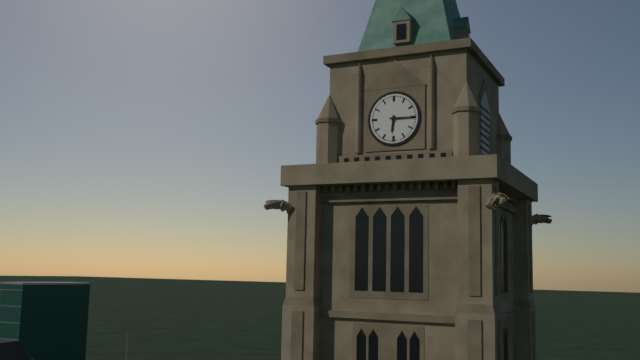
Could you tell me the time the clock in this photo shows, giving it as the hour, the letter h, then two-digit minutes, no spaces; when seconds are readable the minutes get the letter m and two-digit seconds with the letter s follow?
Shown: 6h15
